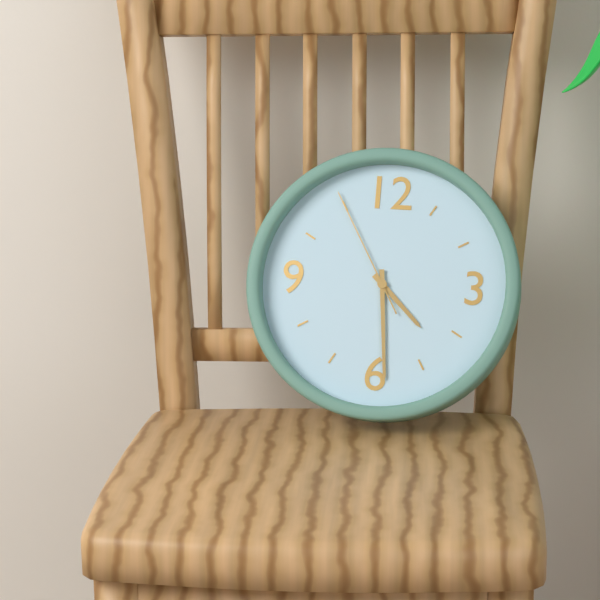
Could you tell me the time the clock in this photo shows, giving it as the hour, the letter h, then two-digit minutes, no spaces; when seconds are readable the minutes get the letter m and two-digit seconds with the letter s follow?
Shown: 4h29m55s
